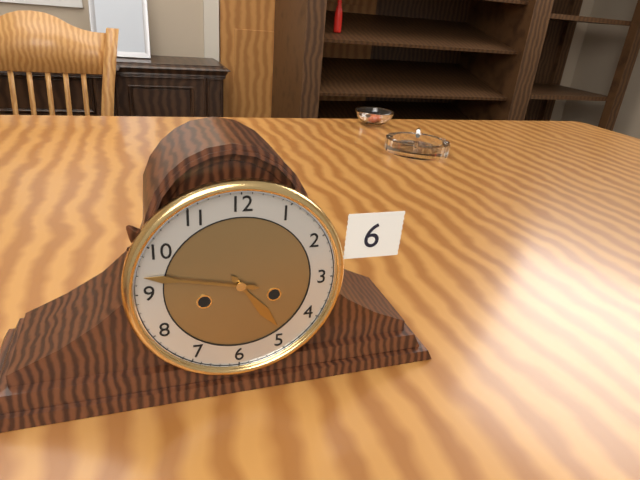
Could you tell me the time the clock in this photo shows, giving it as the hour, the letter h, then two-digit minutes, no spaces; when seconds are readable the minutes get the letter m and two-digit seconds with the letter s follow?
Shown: 4h47
